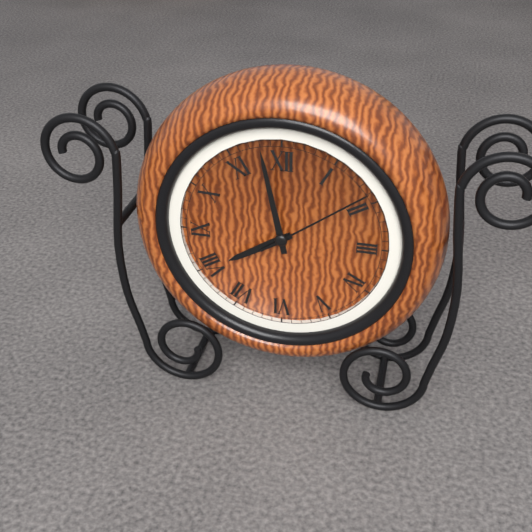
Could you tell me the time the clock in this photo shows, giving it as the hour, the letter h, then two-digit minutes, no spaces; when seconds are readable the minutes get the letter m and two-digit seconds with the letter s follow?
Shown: 7h58m09s
